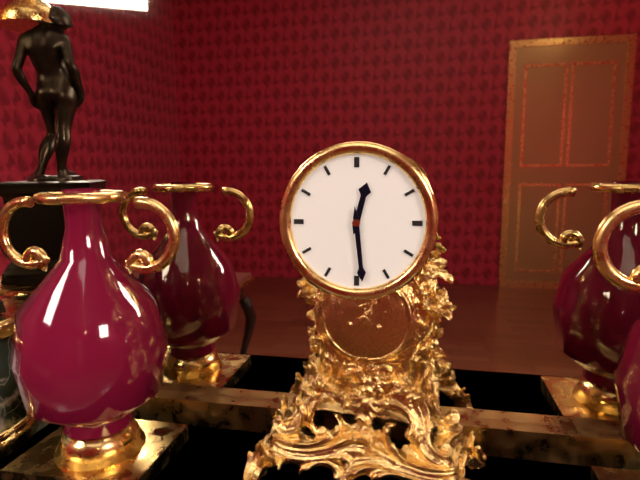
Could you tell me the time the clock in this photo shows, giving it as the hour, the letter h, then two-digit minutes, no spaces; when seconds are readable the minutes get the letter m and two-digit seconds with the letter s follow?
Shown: 12h29
